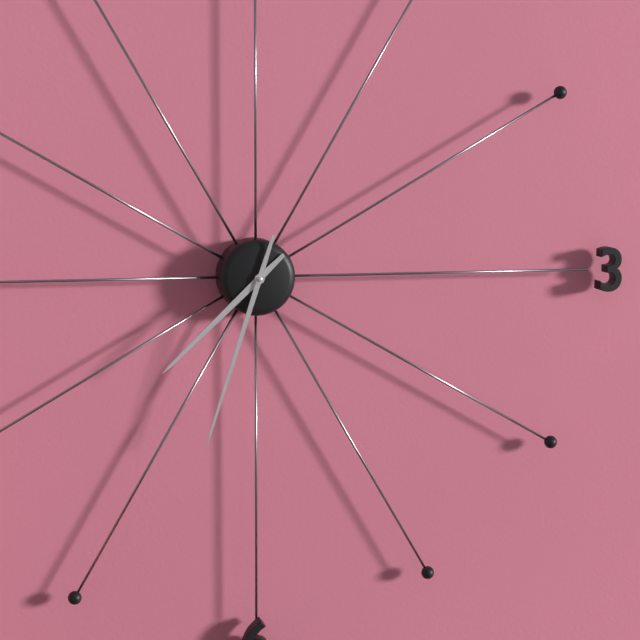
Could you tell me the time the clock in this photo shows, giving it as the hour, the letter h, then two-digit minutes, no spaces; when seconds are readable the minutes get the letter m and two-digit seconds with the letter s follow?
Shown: 7h33
